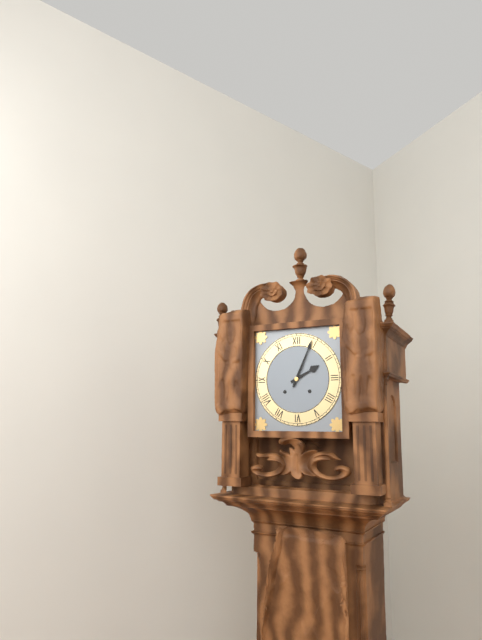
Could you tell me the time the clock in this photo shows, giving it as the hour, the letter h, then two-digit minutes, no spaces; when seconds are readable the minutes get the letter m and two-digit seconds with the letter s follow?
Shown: 2h04
